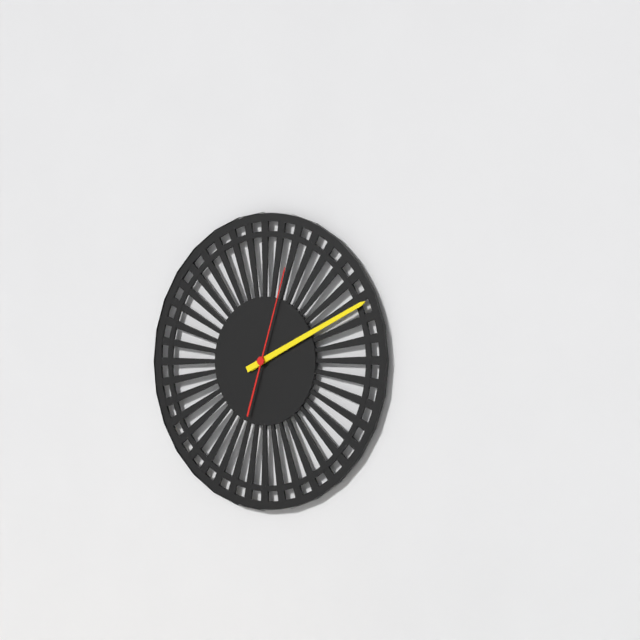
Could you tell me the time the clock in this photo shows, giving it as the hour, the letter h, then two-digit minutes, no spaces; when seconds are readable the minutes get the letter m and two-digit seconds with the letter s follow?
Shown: 2h11m03s
